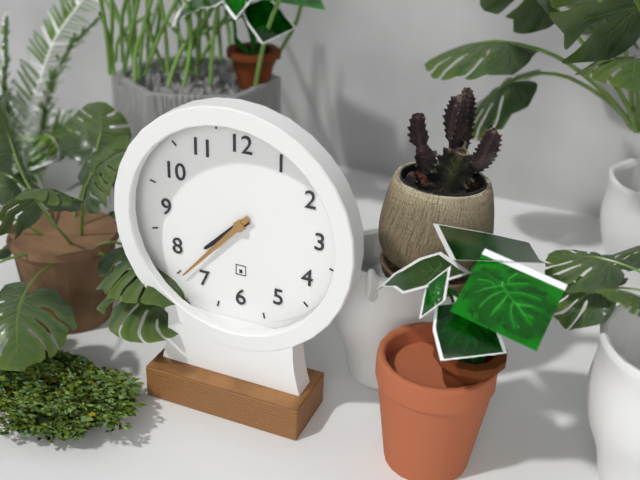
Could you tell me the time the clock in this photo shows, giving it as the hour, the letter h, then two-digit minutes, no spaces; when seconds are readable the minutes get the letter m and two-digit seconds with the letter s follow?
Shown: 7h37
